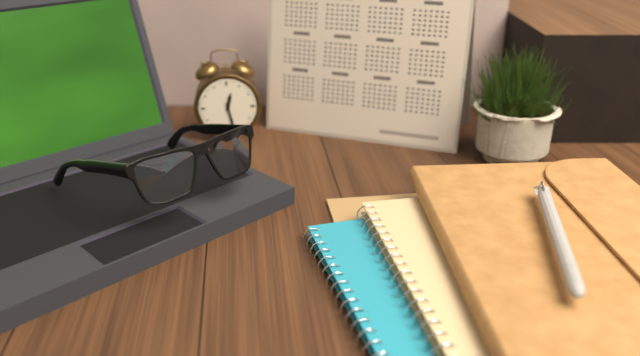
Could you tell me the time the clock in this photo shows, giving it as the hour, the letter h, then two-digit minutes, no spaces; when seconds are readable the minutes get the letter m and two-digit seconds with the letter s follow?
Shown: 12h28
